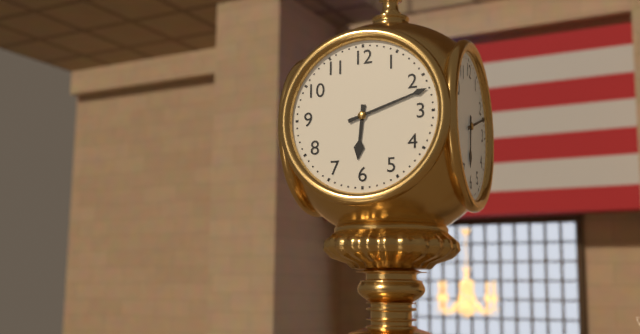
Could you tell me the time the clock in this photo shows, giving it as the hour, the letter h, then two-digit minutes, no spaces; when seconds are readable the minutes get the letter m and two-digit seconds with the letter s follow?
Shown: 6h12
